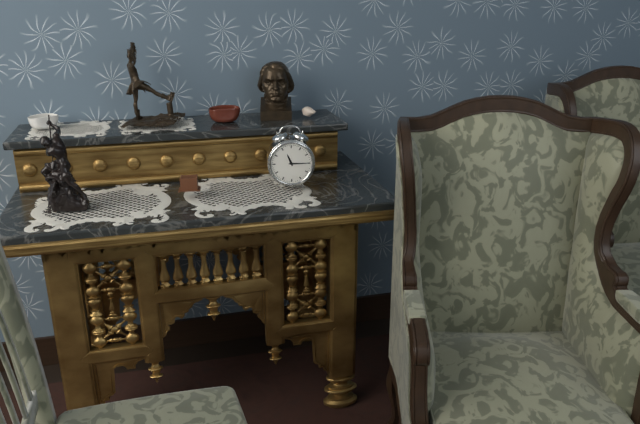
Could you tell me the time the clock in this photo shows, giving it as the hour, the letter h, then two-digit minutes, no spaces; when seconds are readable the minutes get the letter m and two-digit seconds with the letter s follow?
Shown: 11h15
